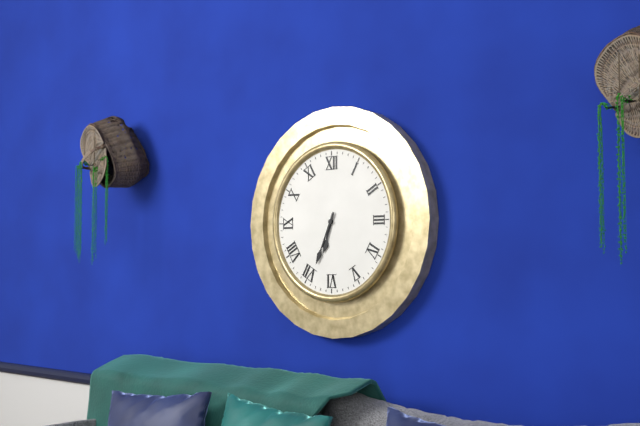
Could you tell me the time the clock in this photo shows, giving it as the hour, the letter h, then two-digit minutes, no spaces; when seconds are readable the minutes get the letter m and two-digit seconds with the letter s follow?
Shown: 6h34
